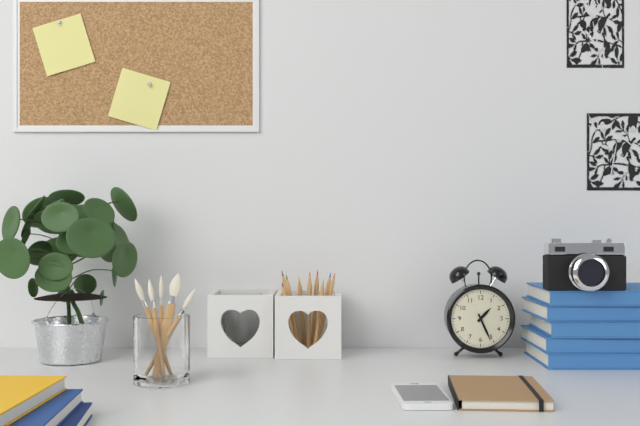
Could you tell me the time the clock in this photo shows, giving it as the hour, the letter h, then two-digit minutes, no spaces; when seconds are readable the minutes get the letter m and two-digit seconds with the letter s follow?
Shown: 1h26
